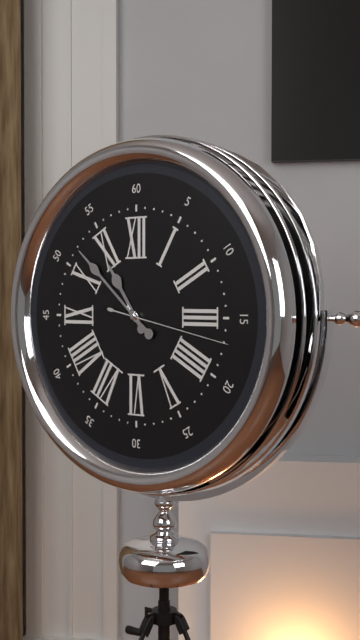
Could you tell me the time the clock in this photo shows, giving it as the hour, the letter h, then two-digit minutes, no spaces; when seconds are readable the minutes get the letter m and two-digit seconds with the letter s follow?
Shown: 10h52m17s
